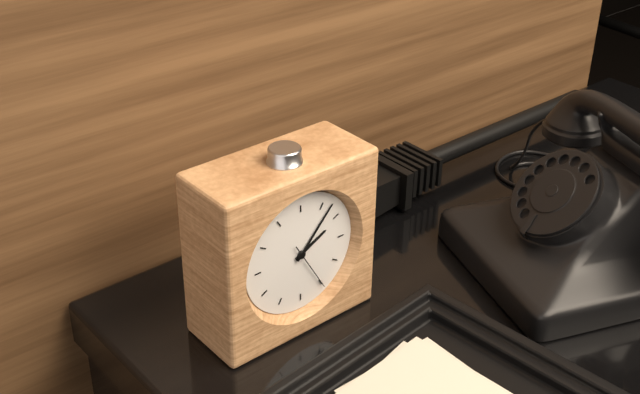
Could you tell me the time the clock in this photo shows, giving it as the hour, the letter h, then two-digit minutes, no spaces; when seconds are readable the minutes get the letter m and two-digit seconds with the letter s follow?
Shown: 2h07m25s
